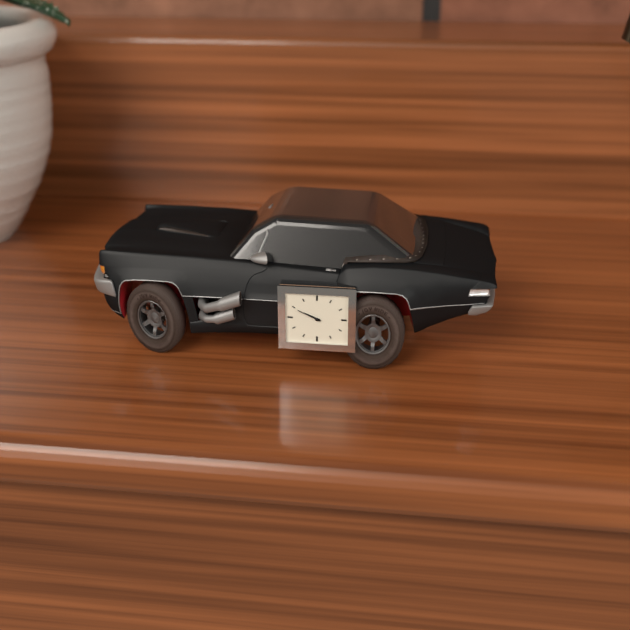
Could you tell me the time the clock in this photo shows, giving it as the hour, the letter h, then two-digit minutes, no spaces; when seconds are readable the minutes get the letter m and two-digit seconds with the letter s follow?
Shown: 9h49
